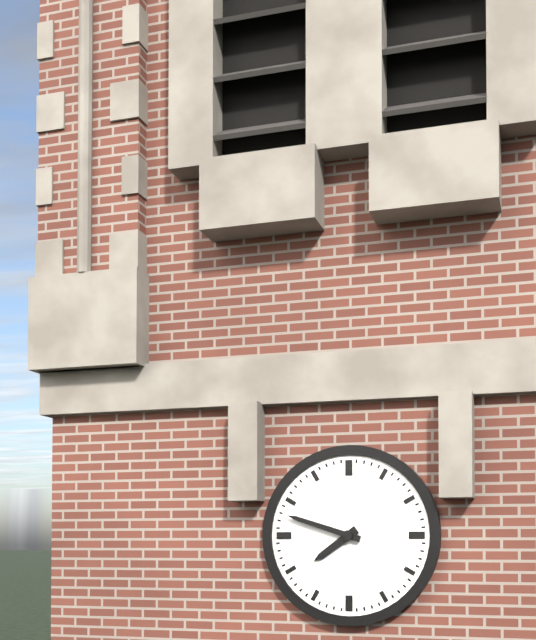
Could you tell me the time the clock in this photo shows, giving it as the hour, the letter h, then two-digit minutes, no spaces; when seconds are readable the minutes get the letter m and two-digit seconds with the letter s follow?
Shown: 7h48
